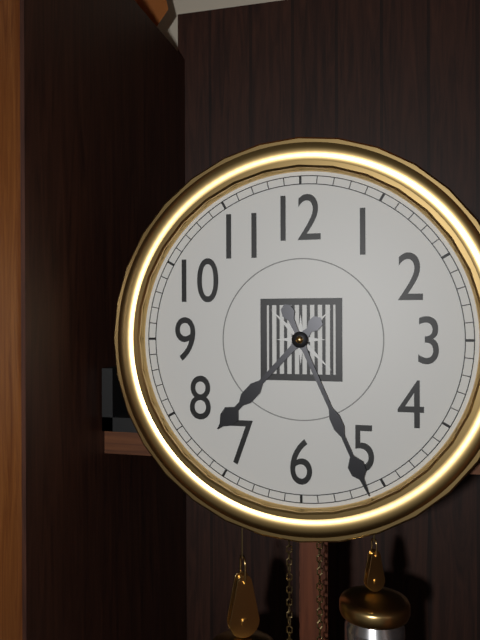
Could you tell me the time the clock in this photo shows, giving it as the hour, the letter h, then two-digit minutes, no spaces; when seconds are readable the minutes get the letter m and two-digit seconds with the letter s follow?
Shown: 7h26
